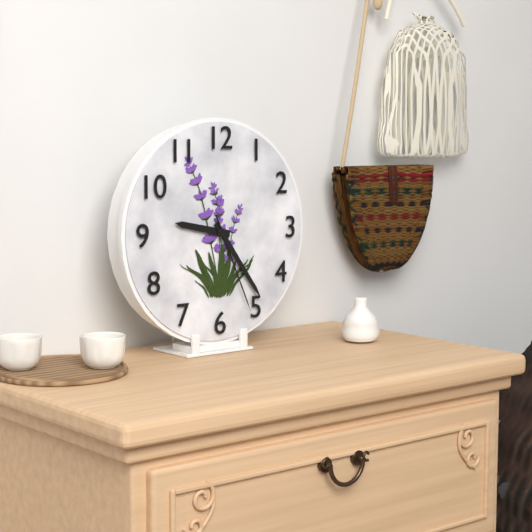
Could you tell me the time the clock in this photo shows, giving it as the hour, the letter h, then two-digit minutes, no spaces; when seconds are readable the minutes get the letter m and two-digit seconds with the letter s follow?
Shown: 9h24m26s
